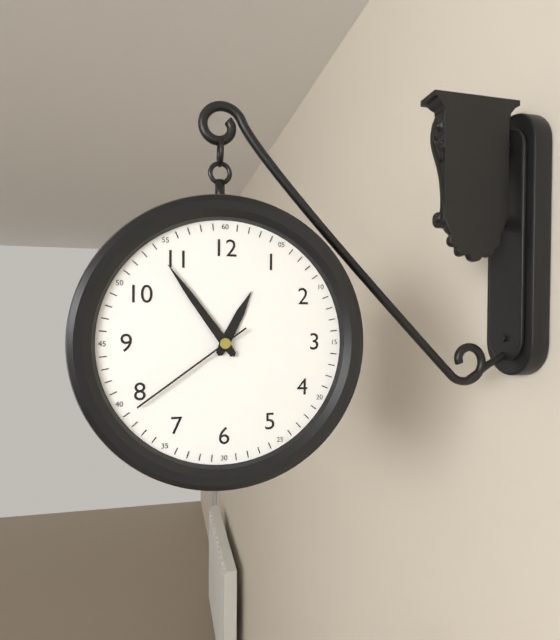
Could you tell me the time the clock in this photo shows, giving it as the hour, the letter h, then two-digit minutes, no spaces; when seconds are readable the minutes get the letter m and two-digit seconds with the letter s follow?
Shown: 12h54m39s
